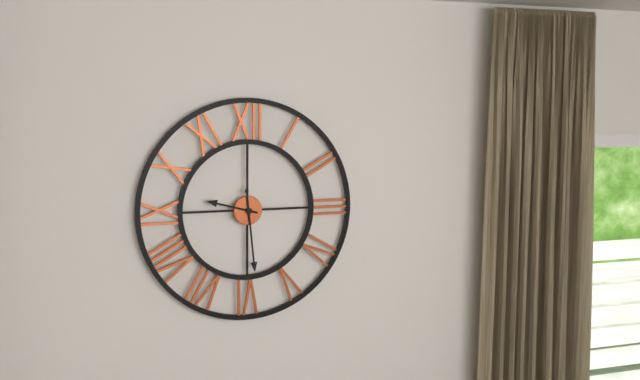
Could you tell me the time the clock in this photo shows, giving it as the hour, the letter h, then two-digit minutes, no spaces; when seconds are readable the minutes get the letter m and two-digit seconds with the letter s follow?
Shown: 9h29
